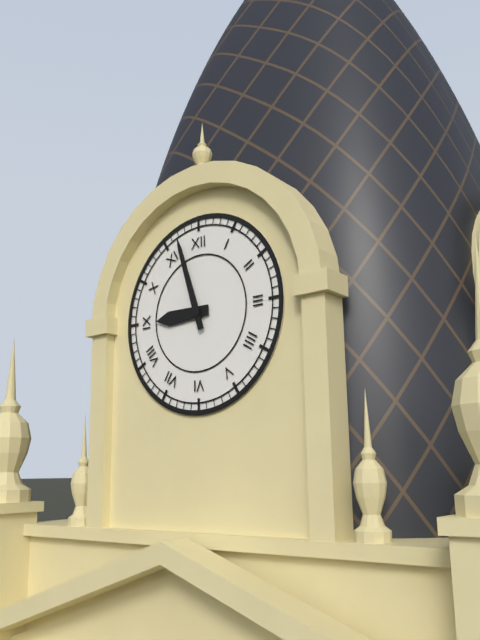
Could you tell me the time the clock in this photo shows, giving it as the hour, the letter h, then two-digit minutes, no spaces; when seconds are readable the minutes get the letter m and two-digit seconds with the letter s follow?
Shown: 8h57
